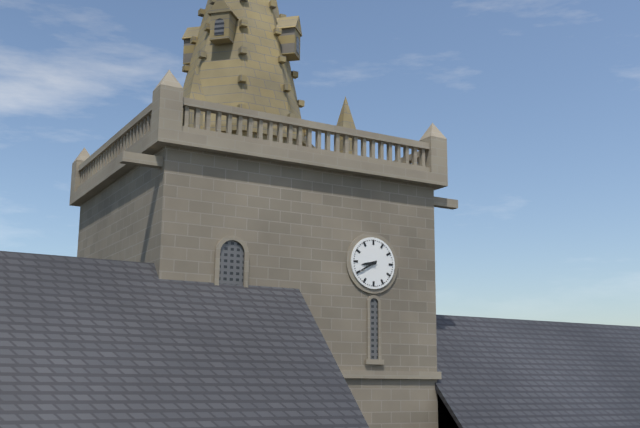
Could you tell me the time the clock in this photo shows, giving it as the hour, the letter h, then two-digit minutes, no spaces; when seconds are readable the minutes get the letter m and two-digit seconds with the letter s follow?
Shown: 8h40
